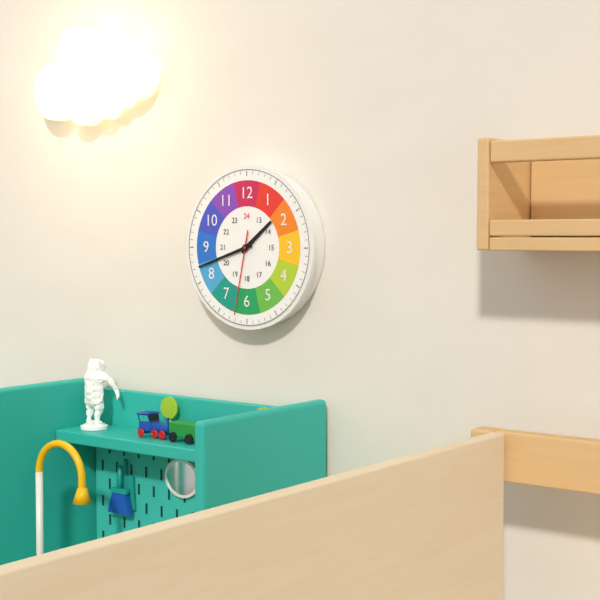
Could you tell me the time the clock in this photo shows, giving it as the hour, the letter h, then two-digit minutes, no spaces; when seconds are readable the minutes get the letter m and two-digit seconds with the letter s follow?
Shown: 1h42m32s
